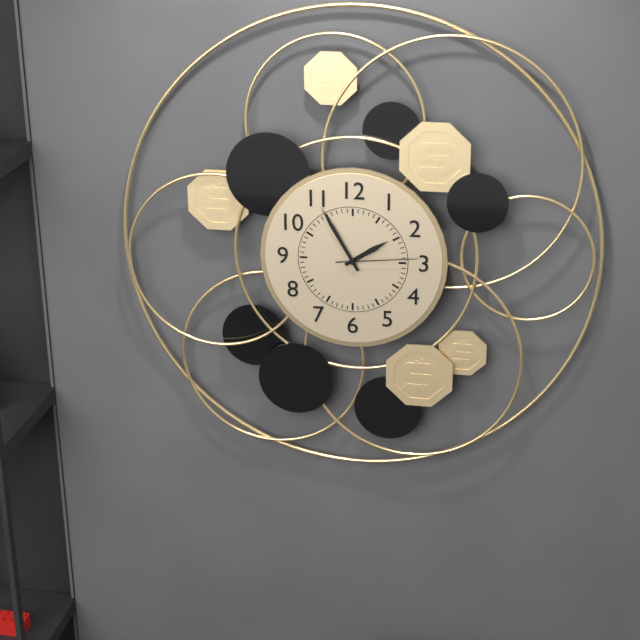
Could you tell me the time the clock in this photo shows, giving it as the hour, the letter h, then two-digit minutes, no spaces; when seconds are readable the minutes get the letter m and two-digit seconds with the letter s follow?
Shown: 1h55m14s
